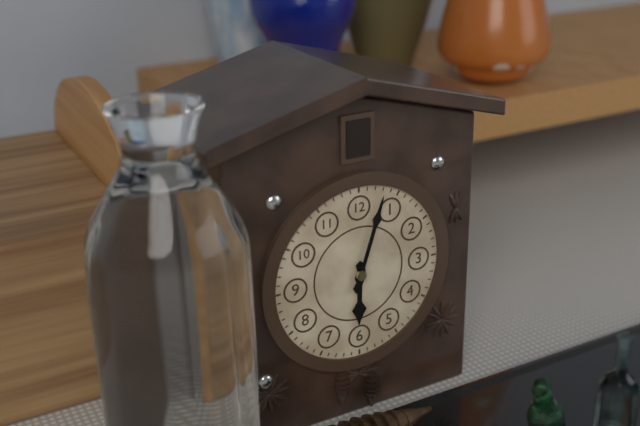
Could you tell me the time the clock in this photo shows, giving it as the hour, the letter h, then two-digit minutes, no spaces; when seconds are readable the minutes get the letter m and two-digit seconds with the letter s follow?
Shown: 6h03
